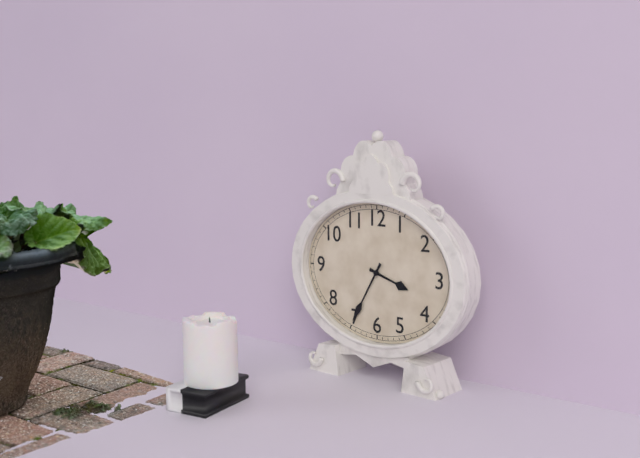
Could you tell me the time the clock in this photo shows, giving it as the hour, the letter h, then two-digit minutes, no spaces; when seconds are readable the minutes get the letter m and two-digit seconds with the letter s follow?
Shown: 3h35
